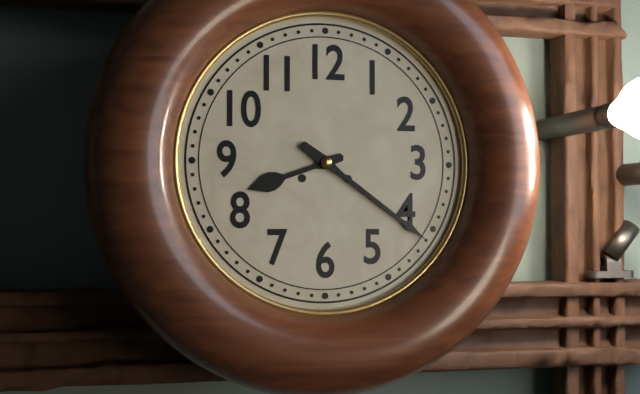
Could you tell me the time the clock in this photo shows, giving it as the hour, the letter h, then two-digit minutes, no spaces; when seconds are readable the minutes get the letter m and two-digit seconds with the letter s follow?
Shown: 8h21
